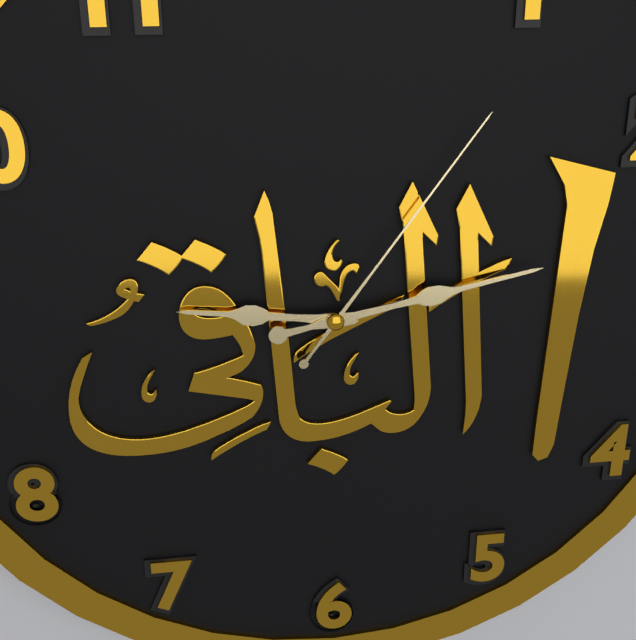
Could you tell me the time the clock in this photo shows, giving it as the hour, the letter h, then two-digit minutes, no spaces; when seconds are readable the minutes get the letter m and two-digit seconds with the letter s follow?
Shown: 9h13m06s
